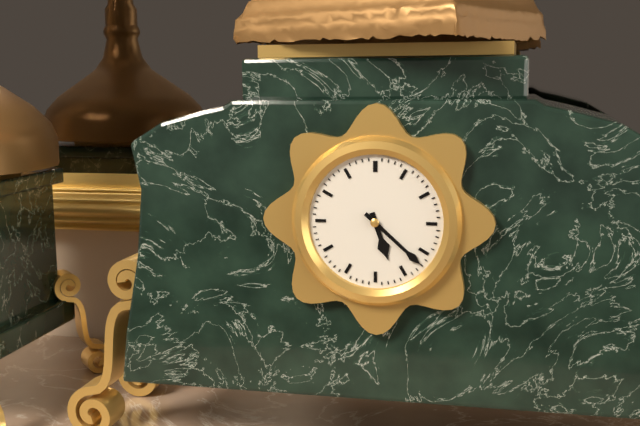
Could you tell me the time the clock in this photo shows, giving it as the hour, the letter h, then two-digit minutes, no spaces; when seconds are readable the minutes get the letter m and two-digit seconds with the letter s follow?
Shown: 5h22
